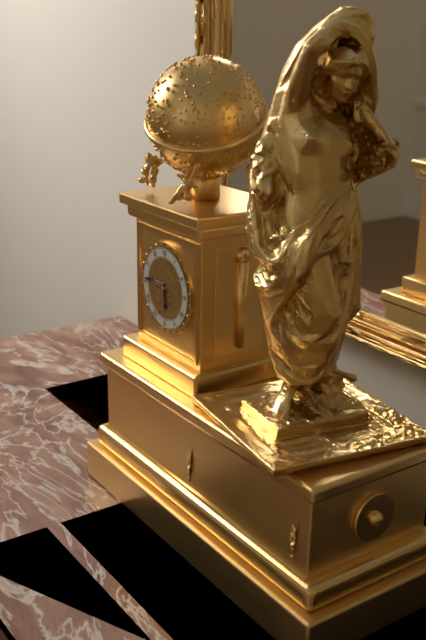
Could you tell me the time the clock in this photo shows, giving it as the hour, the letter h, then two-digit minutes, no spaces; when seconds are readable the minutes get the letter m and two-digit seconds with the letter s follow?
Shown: 5h46
